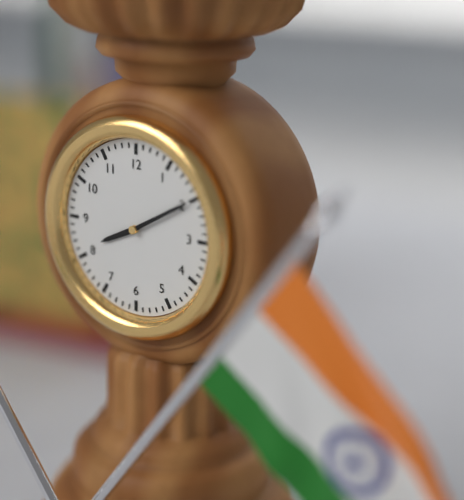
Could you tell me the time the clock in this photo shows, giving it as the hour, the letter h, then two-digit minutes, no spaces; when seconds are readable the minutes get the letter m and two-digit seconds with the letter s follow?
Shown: 8h10
